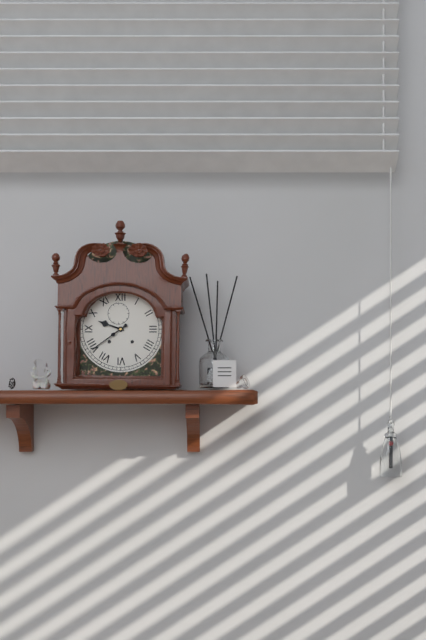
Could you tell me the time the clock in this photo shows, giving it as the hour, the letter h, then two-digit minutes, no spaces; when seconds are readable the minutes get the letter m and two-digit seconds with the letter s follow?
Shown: 9h39
